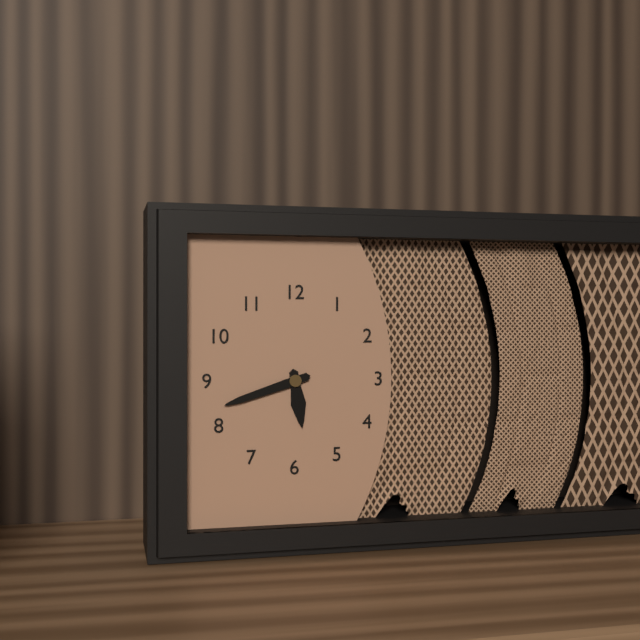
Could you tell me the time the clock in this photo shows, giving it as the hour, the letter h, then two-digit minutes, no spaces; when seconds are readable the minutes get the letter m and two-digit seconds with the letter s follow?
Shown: 5h42
